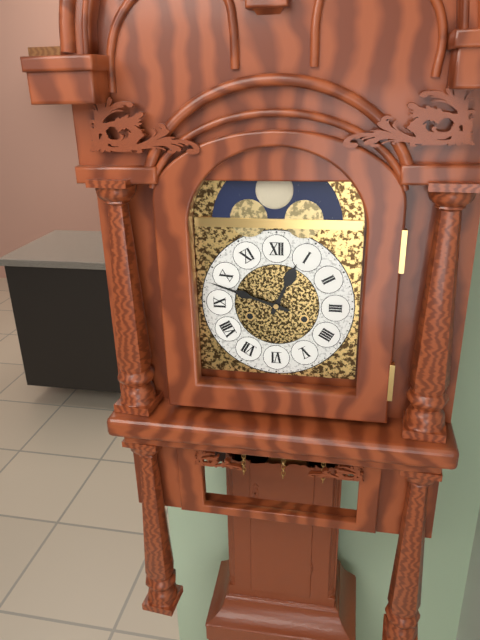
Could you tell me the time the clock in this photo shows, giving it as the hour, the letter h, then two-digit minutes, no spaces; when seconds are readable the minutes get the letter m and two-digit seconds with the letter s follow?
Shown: 12h48
